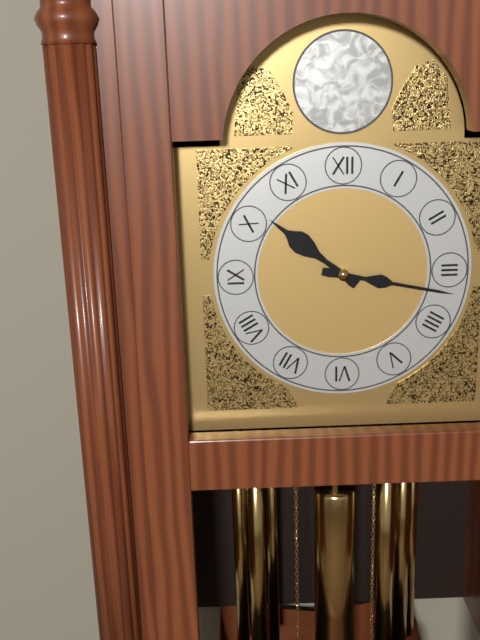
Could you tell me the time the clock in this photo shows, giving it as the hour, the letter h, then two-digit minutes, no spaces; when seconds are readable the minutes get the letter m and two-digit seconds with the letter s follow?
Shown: 10h17
